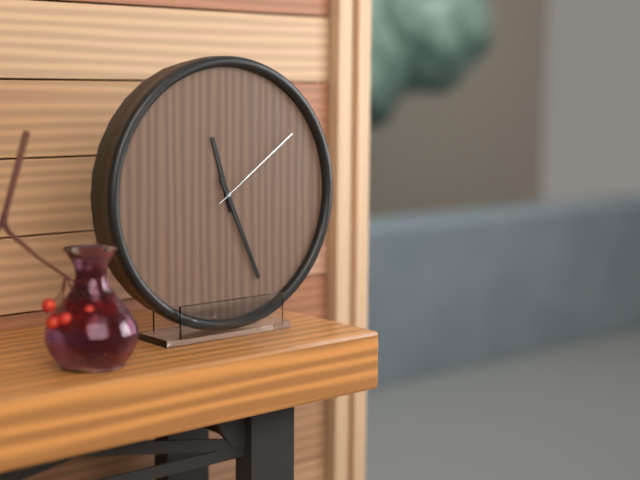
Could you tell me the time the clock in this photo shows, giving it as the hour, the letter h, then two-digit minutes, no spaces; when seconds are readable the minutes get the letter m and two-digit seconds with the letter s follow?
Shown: 11h26m09s
